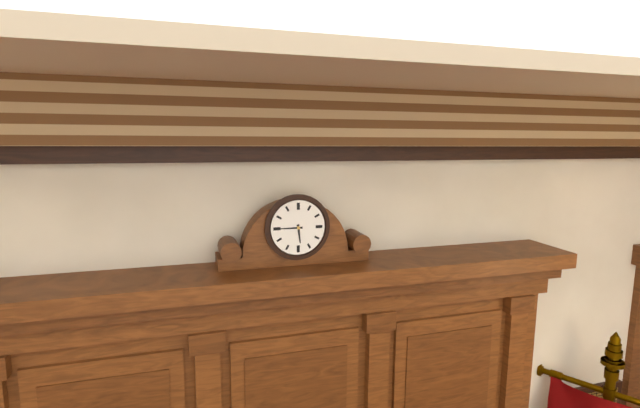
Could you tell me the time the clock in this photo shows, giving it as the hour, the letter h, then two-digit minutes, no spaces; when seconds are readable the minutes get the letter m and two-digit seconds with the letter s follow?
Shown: 5h45
